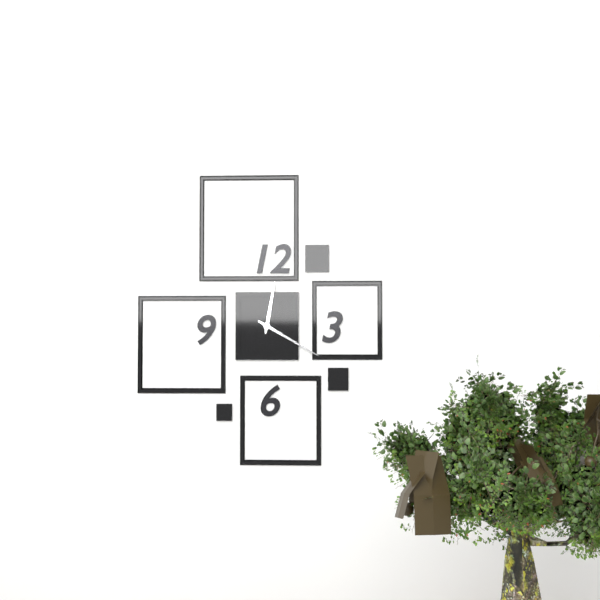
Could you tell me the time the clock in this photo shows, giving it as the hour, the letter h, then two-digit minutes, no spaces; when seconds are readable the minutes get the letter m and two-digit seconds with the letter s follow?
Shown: 12h20
